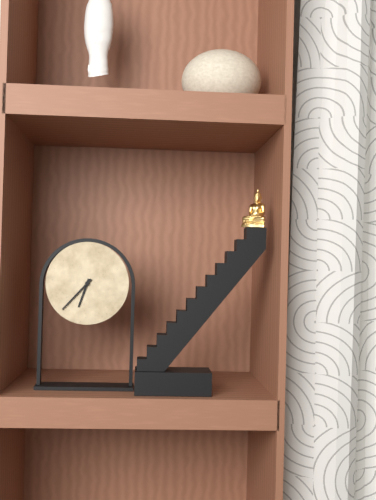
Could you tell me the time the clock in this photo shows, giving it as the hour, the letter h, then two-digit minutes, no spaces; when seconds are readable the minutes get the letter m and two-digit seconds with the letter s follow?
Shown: 6h37
